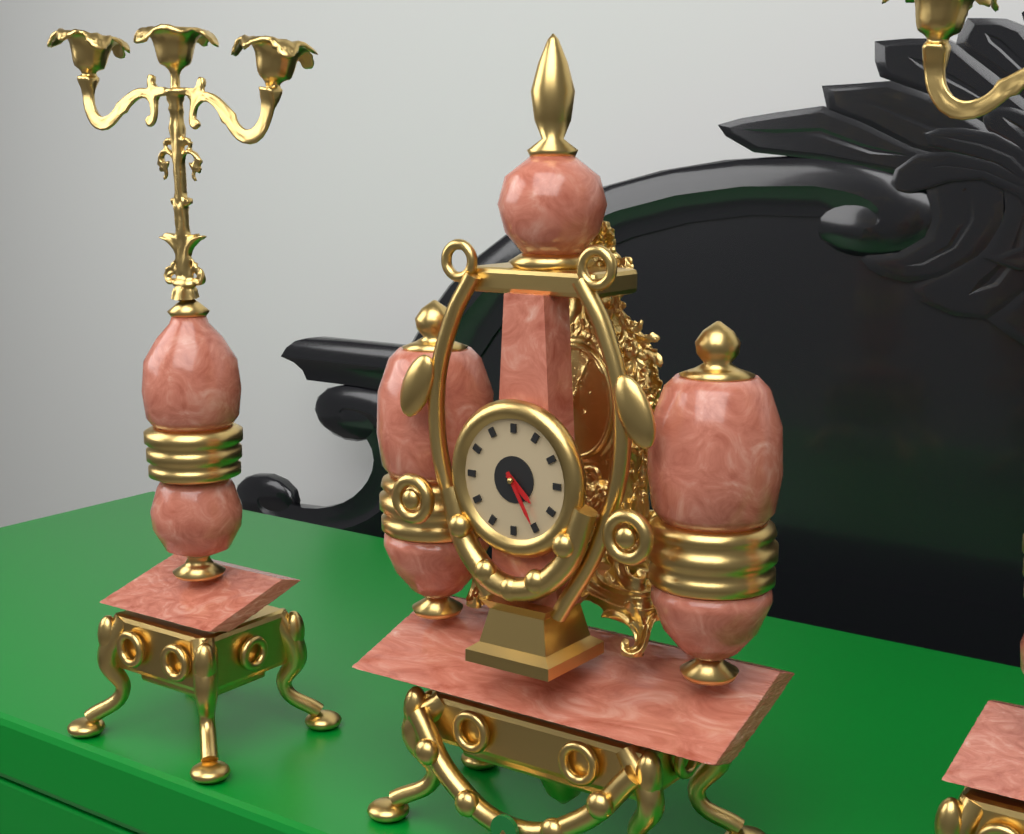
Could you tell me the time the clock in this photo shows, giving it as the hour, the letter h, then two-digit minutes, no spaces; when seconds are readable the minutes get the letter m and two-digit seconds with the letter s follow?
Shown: 4h25
